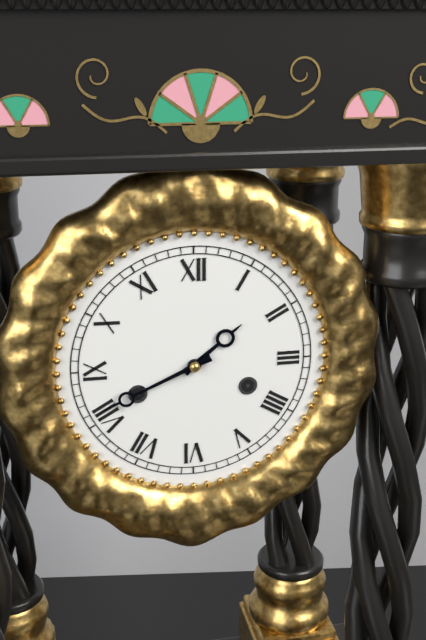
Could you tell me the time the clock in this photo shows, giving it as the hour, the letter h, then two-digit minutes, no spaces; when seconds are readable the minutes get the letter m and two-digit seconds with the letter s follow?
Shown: 1h41
